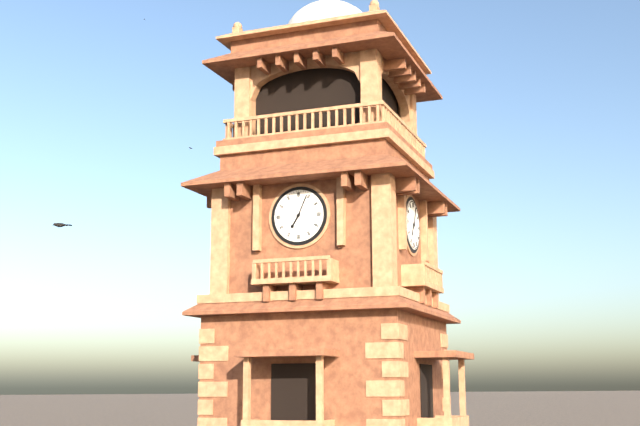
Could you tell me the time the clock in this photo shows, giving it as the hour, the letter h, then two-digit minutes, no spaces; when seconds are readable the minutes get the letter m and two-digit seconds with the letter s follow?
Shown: 7h04
